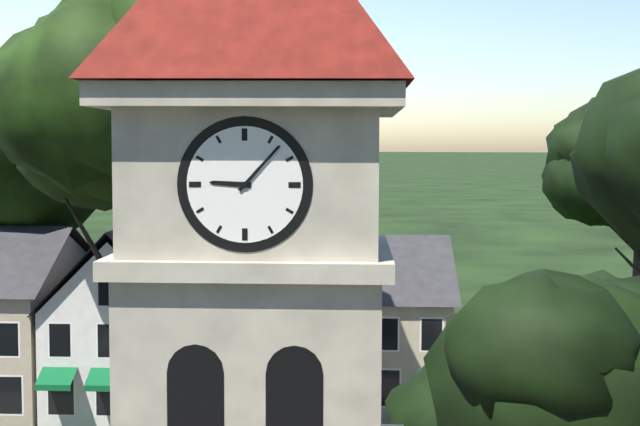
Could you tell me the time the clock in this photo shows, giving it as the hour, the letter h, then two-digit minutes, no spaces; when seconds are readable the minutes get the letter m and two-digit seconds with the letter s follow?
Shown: 9h07
